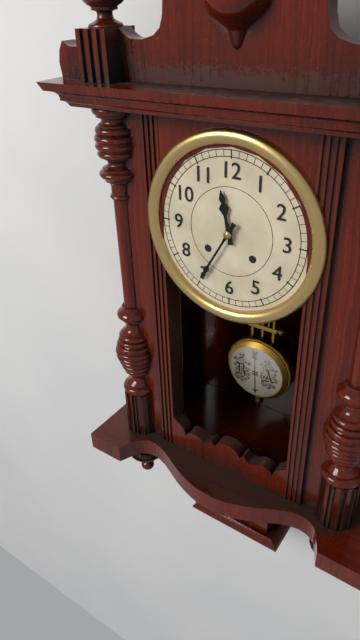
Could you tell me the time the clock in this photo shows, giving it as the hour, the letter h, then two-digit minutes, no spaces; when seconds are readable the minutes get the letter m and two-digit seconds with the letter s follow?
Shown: 11h35
